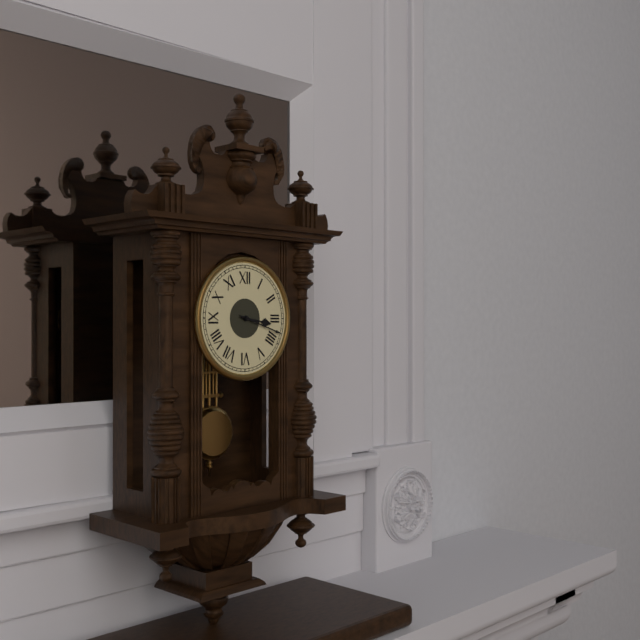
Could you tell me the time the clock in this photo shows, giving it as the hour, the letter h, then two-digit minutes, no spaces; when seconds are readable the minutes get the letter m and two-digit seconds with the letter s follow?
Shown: 3h18
